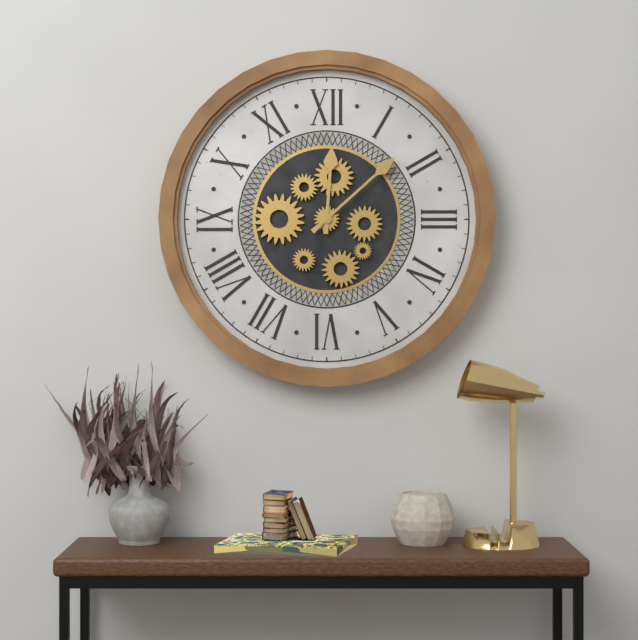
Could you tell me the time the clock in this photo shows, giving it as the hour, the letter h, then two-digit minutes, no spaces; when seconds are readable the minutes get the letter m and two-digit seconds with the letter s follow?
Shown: 12h08
